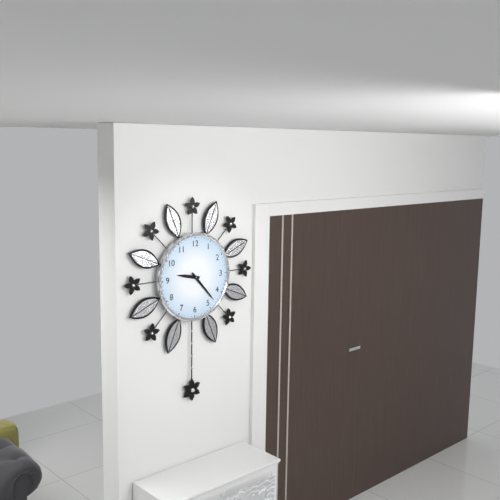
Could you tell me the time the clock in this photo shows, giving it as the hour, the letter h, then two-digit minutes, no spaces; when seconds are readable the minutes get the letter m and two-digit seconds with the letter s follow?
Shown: 9h23
